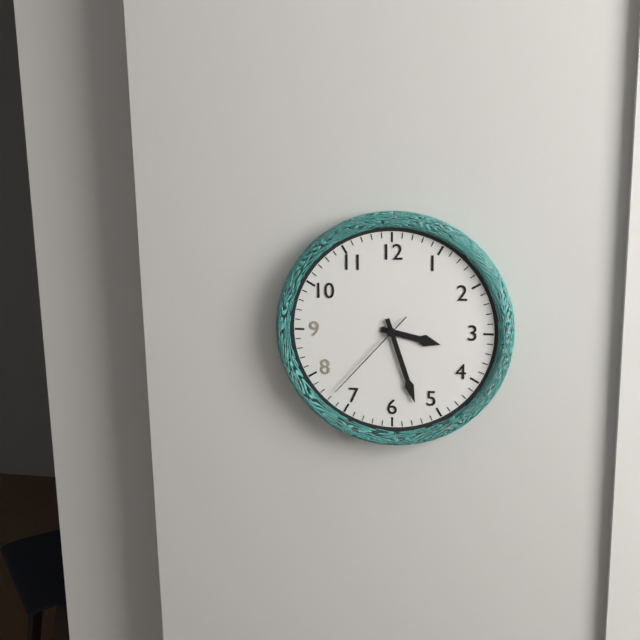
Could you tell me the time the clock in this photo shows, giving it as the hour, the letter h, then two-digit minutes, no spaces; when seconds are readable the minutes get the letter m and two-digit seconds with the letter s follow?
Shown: 3h27m37s
